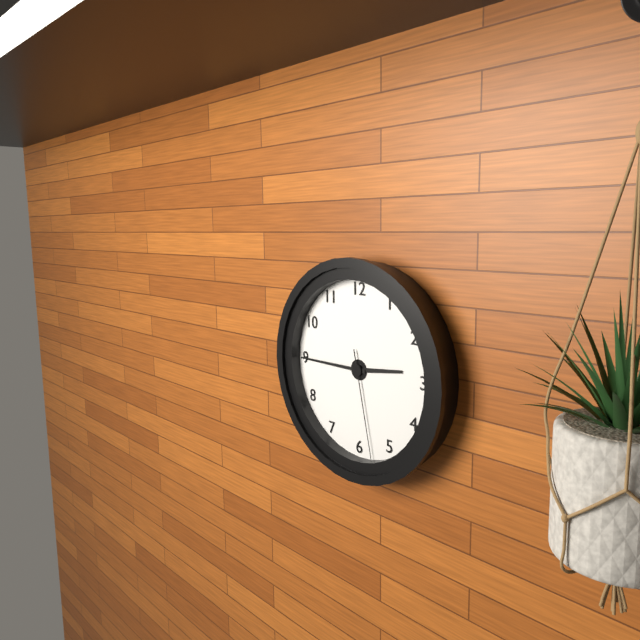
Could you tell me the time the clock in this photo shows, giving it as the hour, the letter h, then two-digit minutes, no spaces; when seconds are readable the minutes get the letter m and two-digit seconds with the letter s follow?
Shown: 2h45m28s
